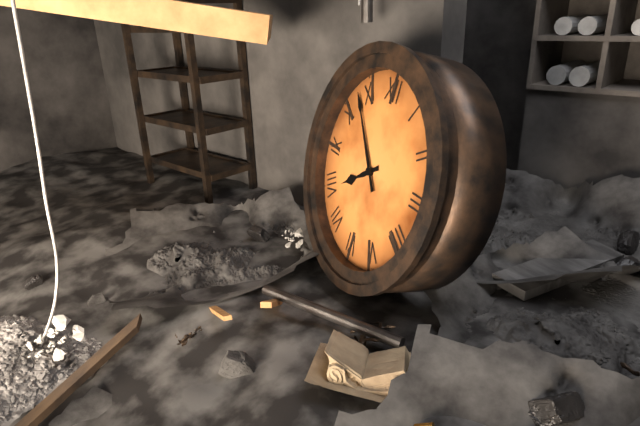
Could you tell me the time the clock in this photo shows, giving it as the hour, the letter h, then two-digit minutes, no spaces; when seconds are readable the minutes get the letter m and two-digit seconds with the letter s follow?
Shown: 7h53
